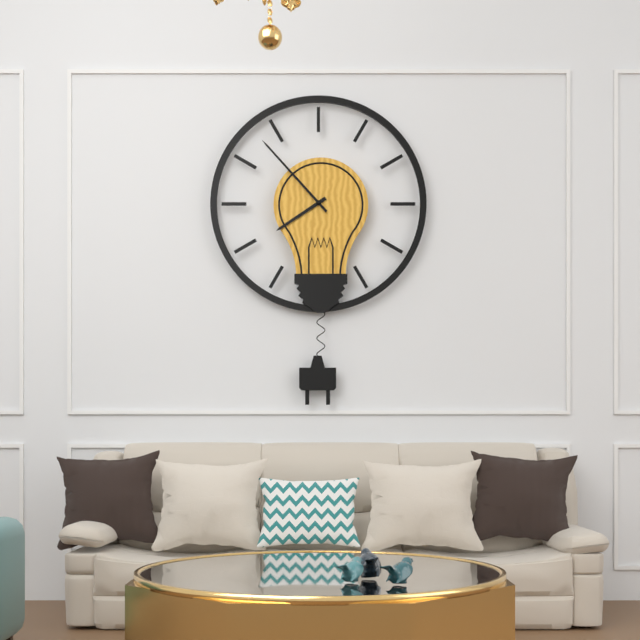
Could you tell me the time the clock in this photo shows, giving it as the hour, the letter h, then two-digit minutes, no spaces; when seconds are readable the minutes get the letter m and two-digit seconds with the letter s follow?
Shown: 7h53
